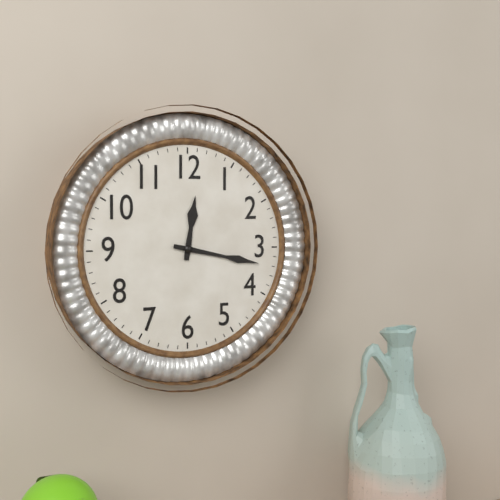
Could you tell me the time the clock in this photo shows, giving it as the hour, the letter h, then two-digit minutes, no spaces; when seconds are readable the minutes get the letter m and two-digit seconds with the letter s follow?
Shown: 12h17
